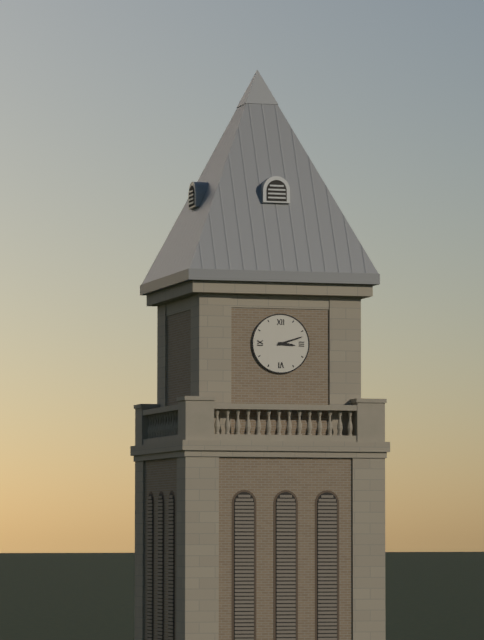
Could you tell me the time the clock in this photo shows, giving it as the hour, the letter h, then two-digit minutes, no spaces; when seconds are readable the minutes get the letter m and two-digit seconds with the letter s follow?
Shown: 3h12
